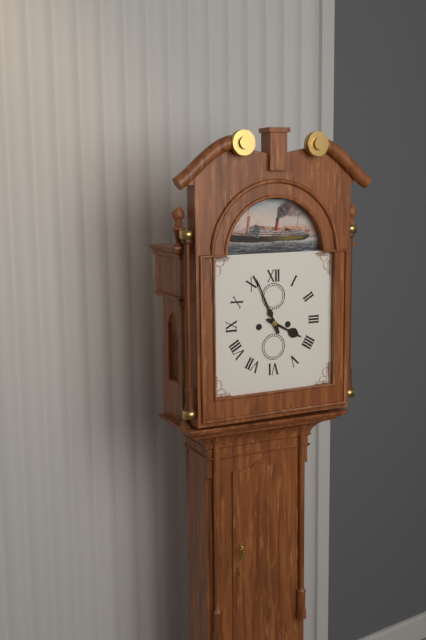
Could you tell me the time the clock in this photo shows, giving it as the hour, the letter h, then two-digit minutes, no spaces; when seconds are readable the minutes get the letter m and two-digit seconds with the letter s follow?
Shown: 3h56
